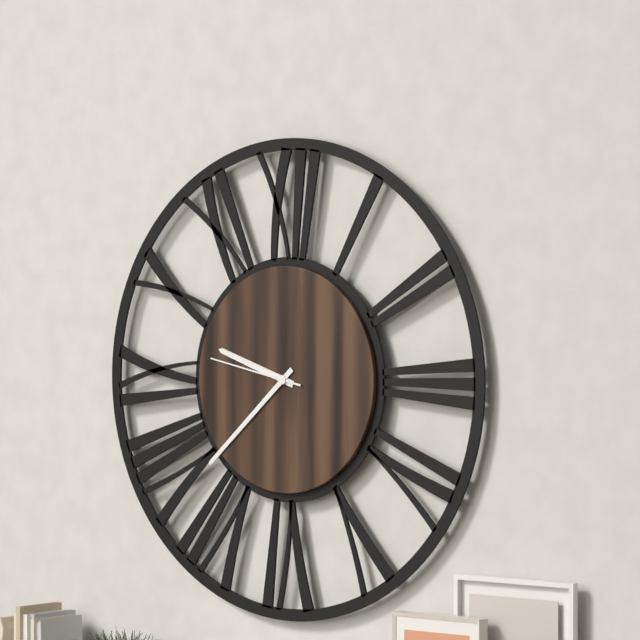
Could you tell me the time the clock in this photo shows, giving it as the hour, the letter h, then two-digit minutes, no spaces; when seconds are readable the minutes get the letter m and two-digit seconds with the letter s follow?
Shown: 9h38m47s
